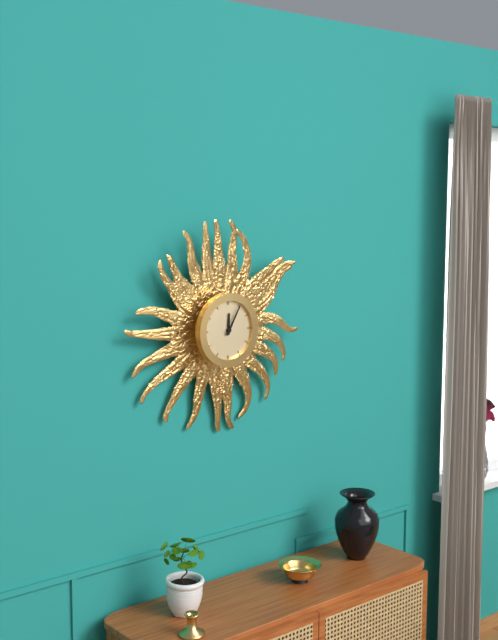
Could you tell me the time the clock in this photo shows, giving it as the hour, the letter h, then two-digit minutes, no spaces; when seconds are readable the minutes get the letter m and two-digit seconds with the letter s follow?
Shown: 12h05
